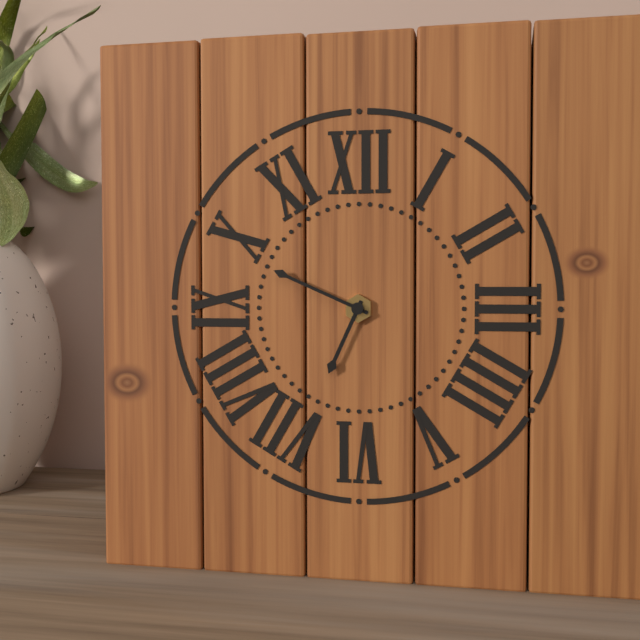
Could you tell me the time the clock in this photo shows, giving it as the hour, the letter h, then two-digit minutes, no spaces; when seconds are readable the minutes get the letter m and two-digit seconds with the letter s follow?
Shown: 6h49
